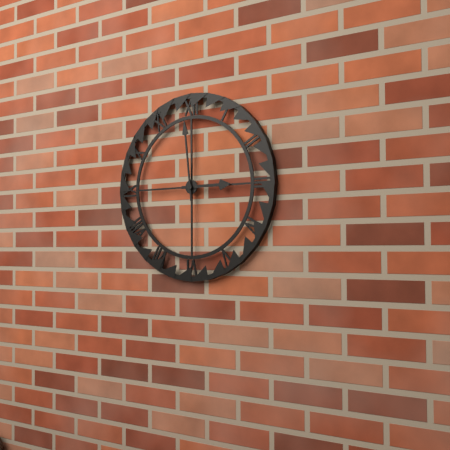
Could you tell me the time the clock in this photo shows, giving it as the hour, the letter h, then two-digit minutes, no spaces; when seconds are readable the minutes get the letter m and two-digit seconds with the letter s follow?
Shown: 2h59
